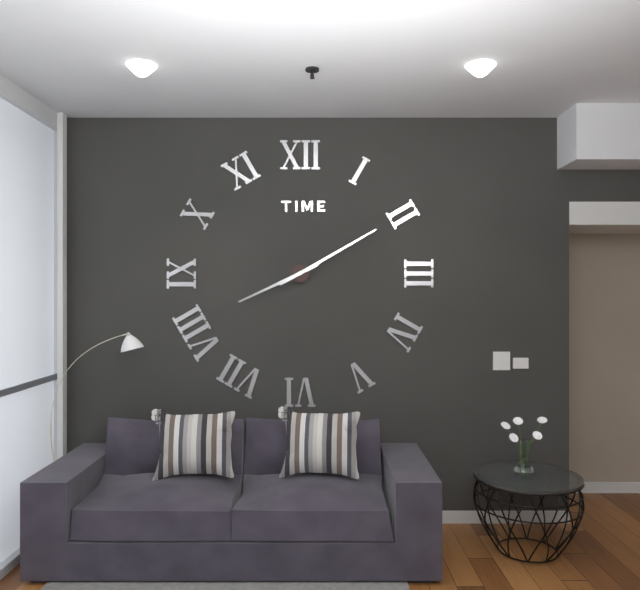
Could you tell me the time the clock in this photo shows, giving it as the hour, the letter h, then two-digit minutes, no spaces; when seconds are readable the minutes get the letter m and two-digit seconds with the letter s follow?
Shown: 8h10
